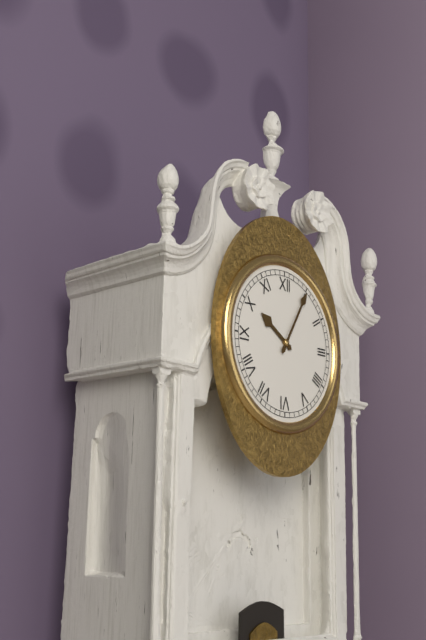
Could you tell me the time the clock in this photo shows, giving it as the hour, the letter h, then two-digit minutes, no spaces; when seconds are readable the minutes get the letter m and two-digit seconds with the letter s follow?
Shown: 10h05
